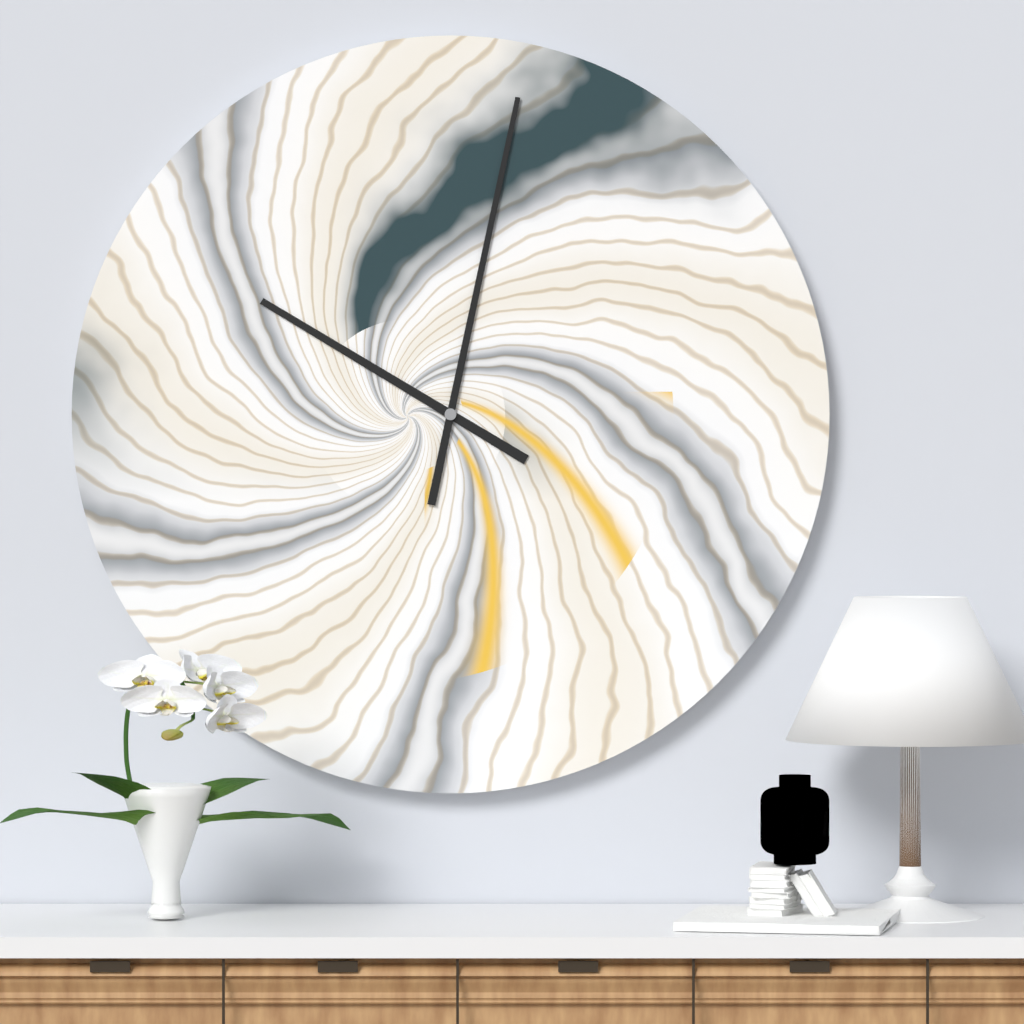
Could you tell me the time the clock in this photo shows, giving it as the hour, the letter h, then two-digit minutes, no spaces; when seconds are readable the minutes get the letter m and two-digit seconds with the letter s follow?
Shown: 10h02
